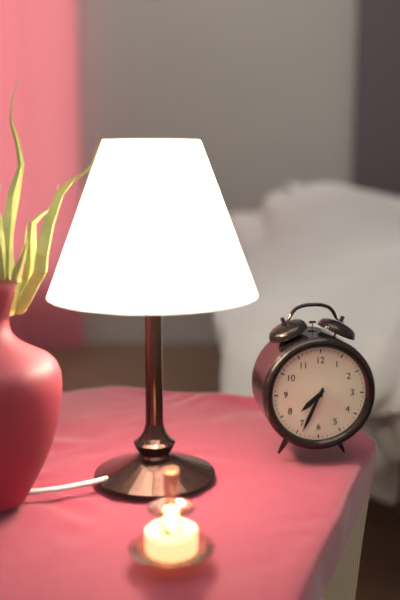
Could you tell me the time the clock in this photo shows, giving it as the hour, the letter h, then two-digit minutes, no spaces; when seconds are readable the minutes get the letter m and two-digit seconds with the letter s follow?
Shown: 7h34
